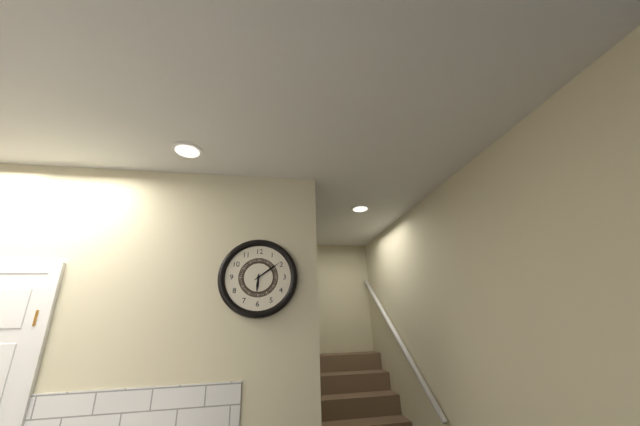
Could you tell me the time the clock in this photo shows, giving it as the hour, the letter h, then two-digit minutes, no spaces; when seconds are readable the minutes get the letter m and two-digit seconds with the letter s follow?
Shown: 6h09
